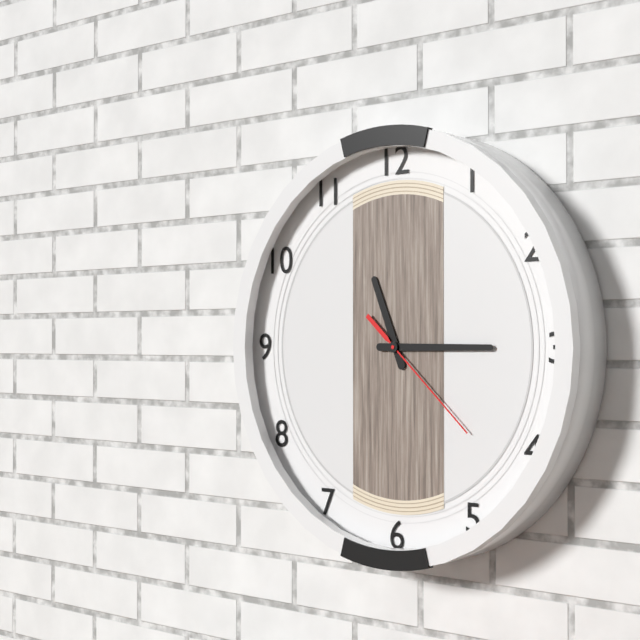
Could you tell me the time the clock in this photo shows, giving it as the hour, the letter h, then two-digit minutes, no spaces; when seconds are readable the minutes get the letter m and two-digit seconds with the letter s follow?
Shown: 11h15m22s
